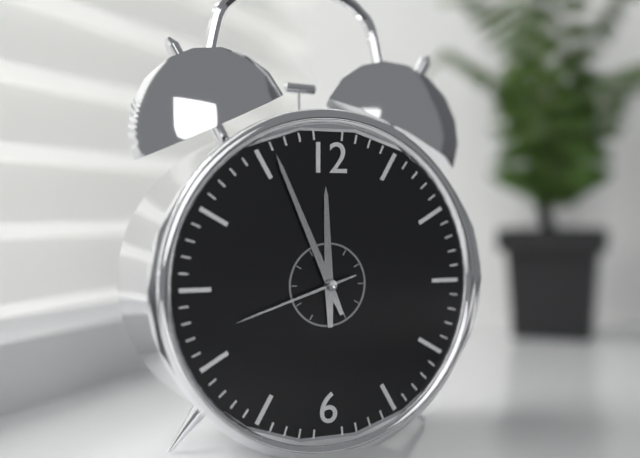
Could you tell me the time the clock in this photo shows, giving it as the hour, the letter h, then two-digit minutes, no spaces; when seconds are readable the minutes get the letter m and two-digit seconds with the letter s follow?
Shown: 11h56m42s
